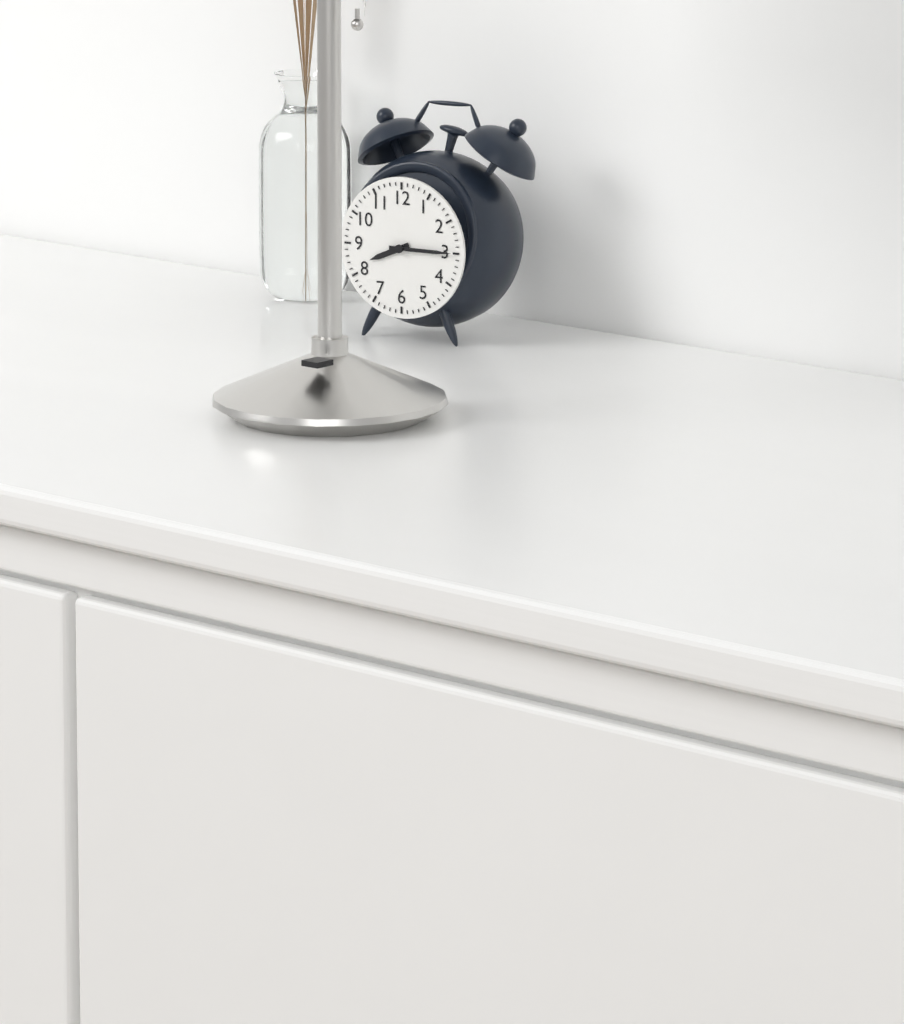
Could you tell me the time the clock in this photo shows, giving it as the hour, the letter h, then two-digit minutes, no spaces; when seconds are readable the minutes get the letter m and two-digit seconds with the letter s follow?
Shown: 8h15
